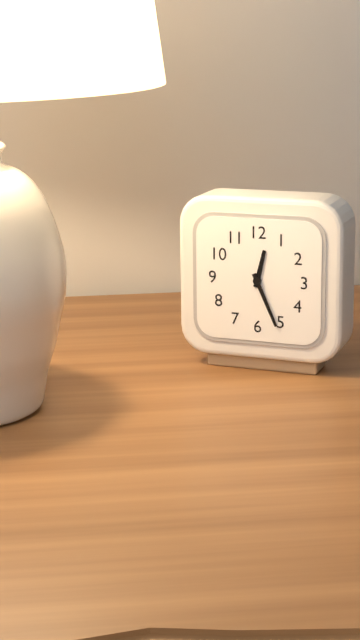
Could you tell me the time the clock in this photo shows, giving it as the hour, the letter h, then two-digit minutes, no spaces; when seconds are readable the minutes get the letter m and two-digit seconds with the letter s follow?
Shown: 12h26
